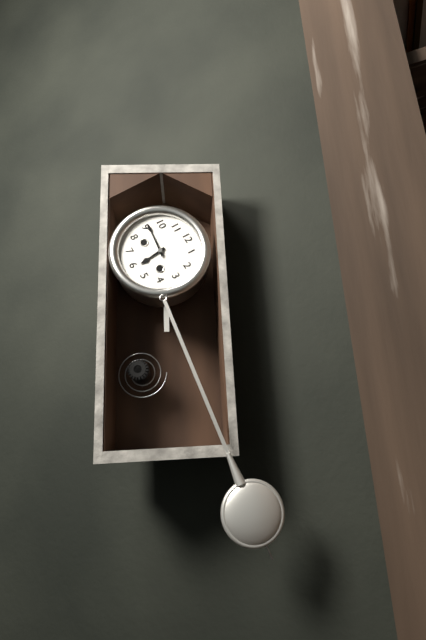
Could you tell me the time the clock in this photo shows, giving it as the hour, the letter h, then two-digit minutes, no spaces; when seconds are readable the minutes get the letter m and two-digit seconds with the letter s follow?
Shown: 5h46
